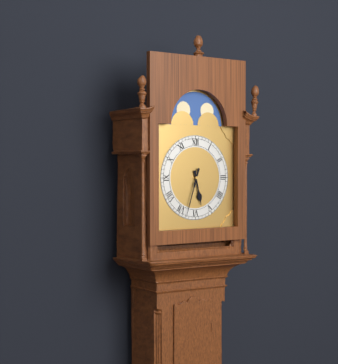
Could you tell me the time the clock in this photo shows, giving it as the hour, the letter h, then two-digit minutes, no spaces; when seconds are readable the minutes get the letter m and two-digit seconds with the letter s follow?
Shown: 5h33
